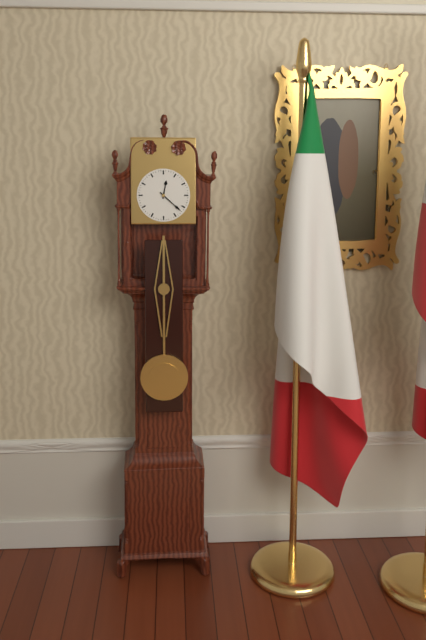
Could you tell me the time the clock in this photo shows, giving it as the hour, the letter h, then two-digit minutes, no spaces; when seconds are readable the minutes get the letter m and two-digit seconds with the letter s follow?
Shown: 12h22
